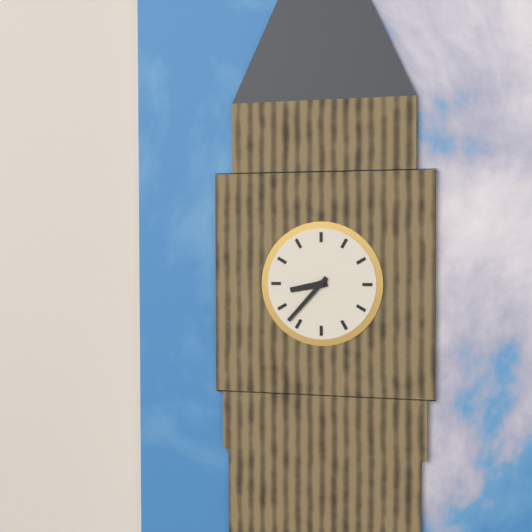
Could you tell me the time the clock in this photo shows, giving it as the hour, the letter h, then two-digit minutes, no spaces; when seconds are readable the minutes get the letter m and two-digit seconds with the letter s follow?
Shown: 8h37
